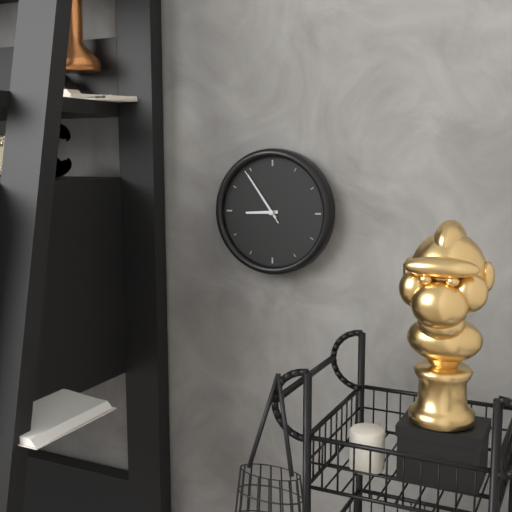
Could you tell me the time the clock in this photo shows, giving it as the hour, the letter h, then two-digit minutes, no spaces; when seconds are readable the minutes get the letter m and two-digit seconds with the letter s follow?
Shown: 8h54m54s
